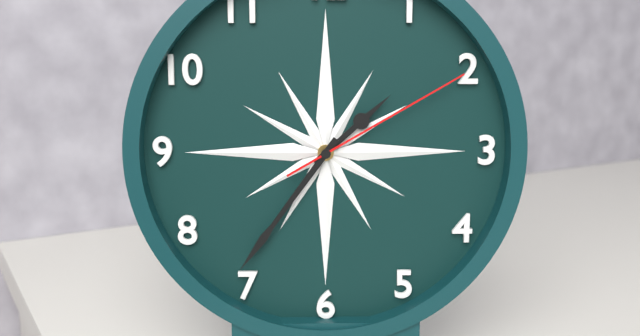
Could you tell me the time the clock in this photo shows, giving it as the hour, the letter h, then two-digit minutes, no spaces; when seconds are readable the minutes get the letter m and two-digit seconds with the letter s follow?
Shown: 1h36m10s
